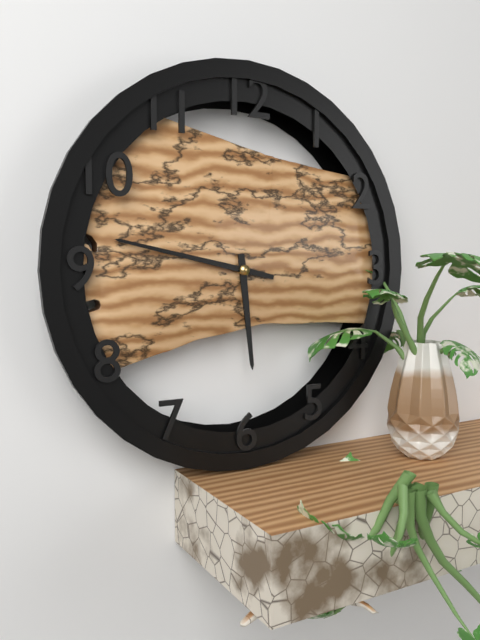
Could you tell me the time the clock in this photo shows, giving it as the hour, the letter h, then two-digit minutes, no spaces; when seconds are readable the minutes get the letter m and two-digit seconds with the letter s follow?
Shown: 5h47
